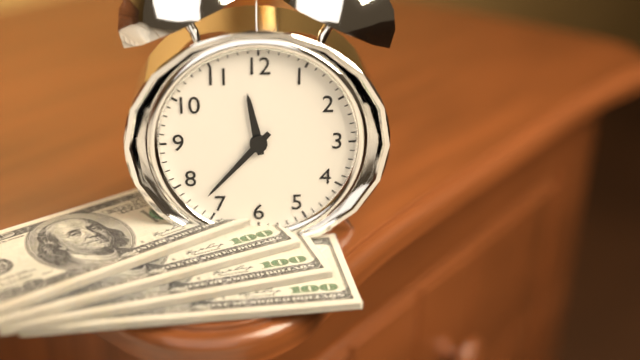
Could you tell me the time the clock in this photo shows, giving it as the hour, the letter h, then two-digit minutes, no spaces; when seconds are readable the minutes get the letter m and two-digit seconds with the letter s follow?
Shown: 11h37
